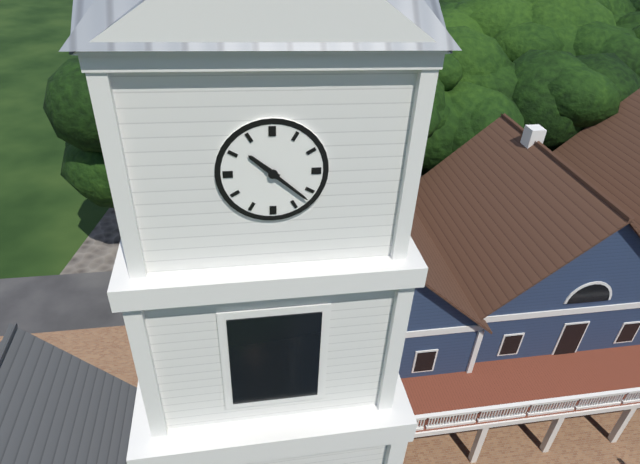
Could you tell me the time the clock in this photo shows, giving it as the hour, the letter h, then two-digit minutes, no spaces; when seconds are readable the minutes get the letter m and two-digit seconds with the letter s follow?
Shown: 10h22
